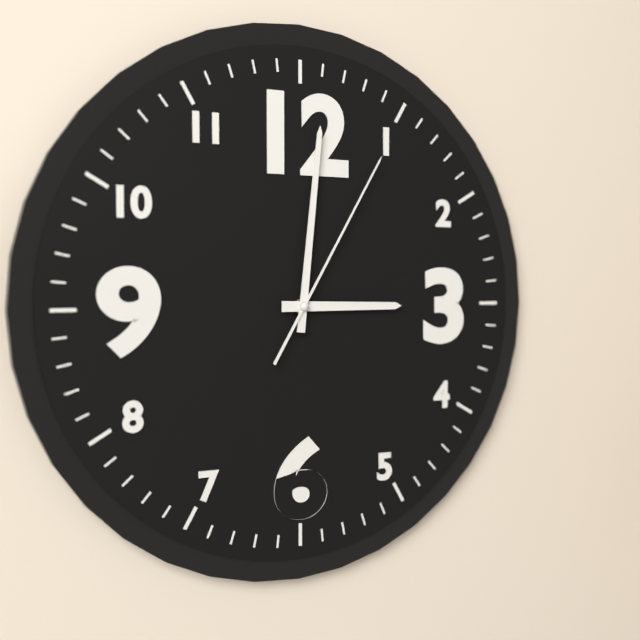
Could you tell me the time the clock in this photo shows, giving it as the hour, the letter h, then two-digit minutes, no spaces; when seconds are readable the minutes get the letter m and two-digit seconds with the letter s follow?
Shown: 3h01m05s
